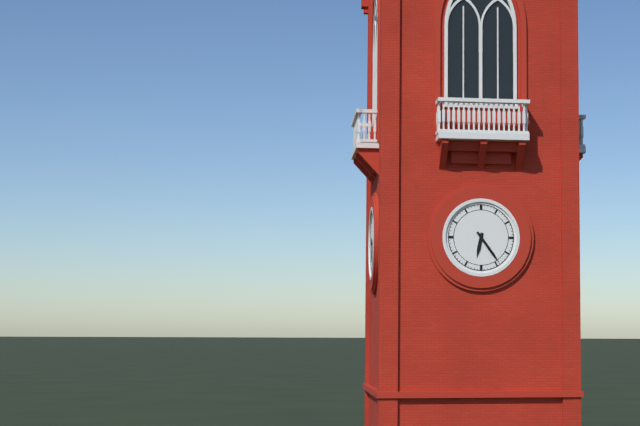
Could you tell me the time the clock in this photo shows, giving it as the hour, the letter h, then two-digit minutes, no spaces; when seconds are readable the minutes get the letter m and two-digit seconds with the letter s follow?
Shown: 6h24
